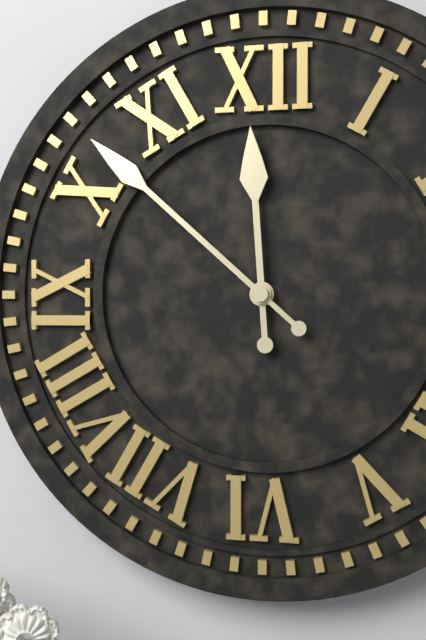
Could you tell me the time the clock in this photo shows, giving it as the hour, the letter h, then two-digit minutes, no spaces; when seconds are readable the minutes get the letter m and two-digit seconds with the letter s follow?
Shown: 11h52
